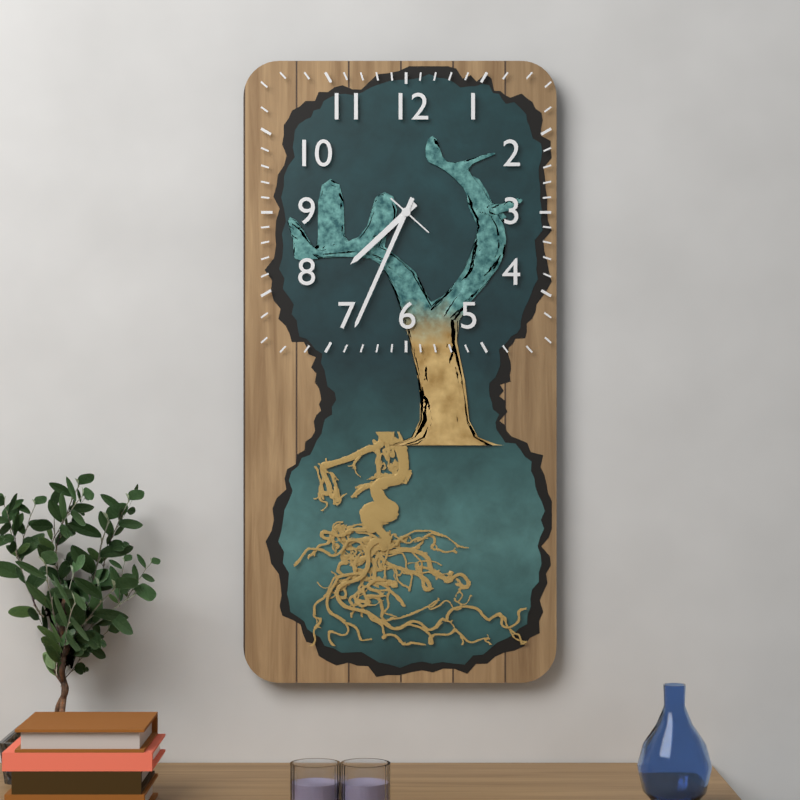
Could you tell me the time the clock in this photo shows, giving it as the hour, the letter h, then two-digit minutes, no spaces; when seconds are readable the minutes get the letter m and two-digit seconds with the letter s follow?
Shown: 7h34
